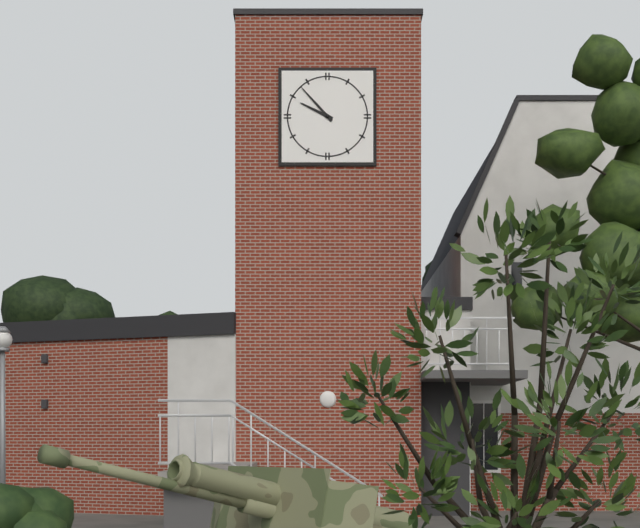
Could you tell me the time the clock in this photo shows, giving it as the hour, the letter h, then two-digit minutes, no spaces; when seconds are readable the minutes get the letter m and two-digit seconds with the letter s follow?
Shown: 9h53
